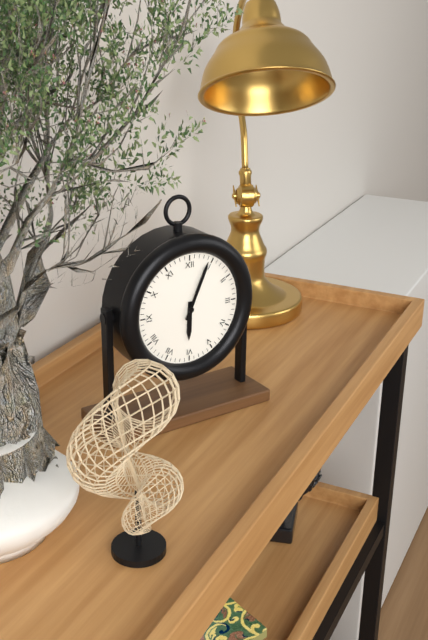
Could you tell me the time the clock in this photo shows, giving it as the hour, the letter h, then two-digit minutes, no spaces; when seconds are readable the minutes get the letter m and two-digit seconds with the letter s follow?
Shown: 6h04
